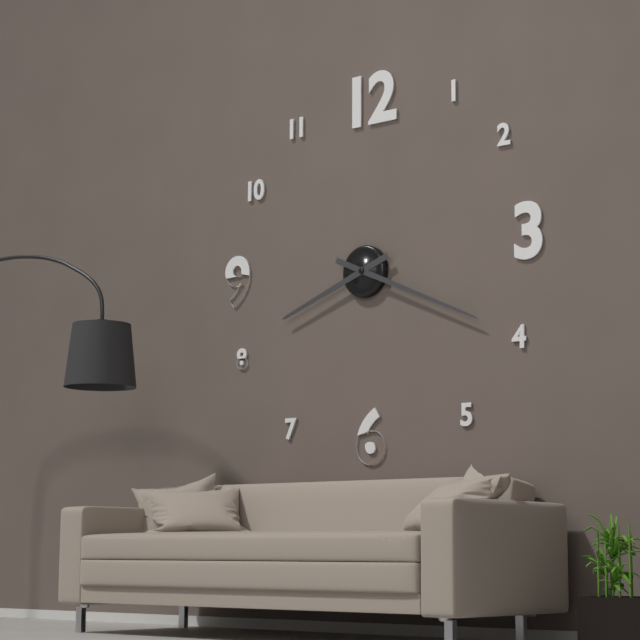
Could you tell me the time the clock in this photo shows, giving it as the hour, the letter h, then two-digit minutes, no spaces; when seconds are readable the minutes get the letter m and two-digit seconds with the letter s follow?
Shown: 8h19
